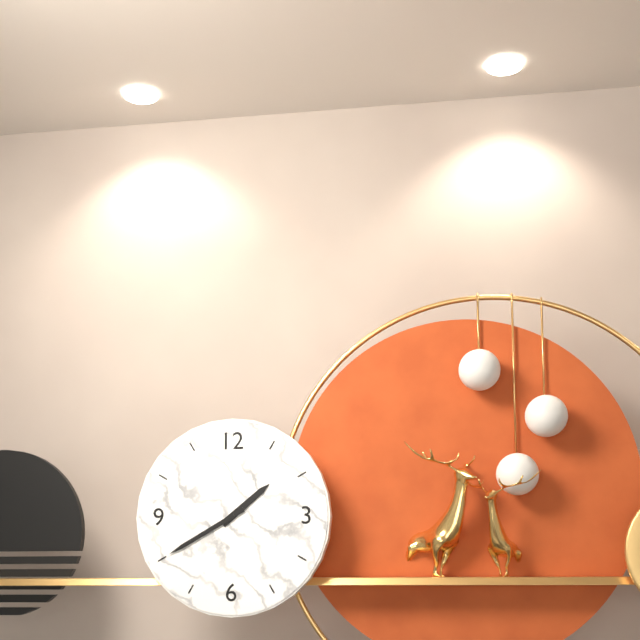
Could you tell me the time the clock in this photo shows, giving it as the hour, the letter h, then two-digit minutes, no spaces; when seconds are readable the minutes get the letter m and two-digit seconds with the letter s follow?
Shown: 1h40
